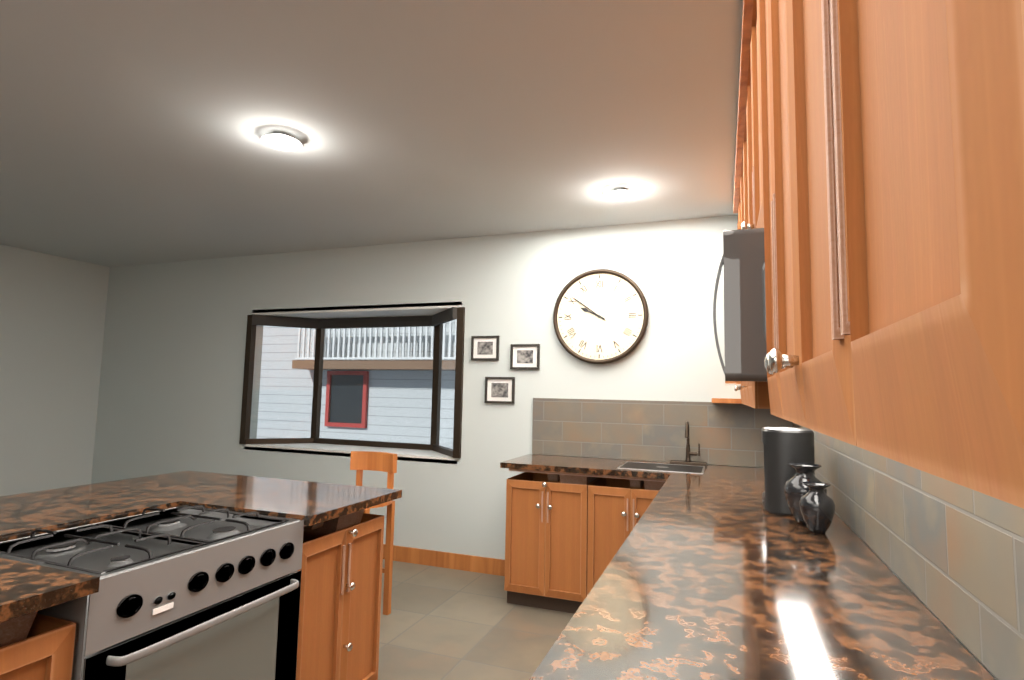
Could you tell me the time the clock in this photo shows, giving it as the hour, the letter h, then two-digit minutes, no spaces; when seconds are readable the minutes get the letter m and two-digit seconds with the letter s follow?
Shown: 9h51
